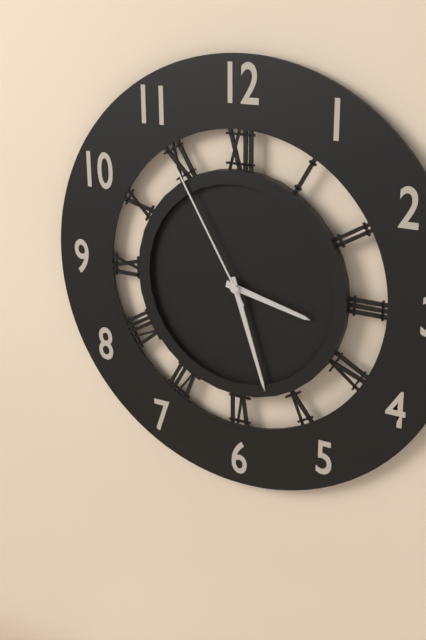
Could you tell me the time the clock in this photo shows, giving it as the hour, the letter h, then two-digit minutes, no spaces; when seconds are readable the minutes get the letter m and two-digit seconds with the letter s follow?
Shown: 3h27m55s
